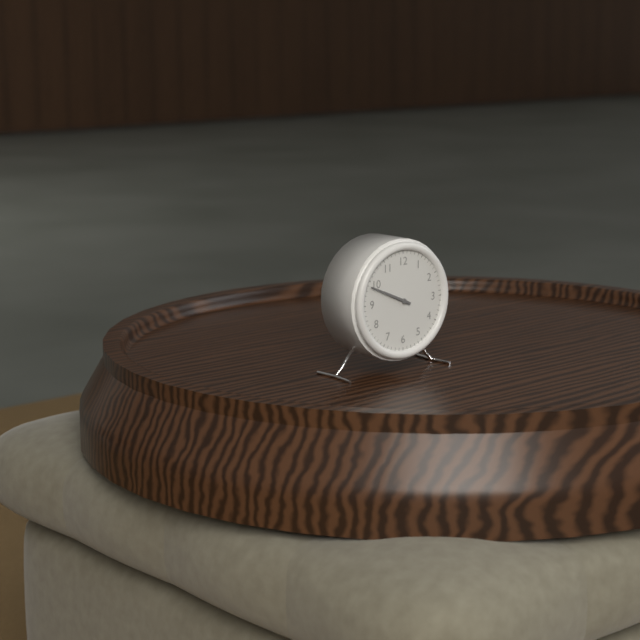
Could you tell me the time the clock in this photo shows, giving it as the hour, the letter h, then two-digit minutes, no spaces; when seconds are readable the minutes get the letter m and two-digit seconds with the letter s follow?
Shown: 9h49
